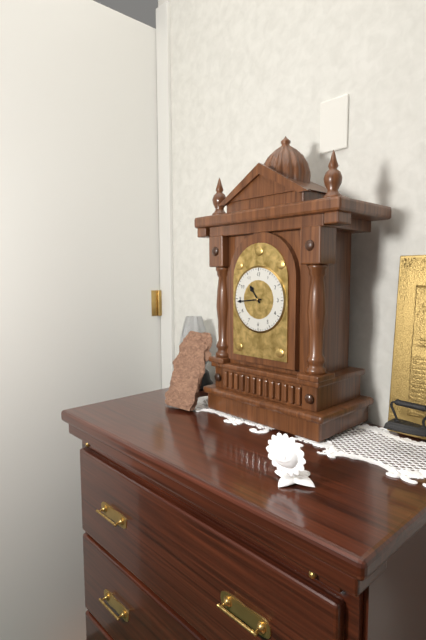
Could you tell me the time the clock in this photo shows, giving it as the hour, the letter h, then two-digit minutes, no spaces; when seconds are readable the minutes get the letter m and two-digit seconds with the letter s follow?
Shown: 10h44
